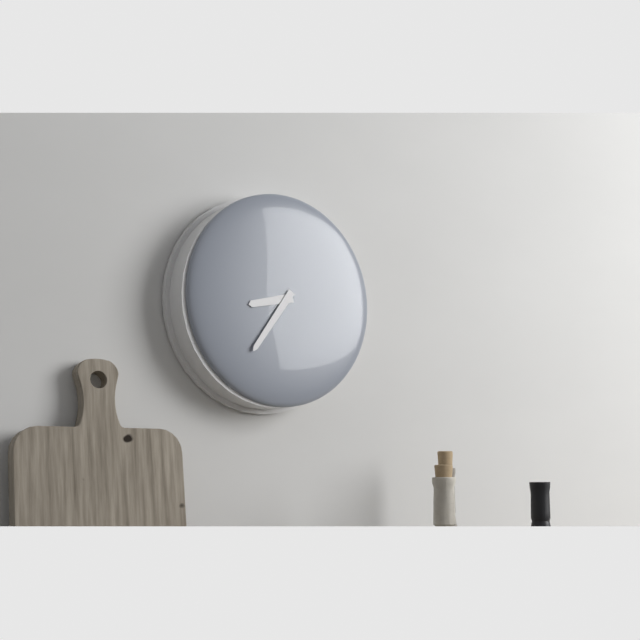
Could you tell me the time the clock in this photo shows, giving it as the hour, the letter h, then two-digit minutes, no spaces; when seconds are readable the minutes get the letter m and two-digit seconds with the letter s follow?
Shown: 8h36
